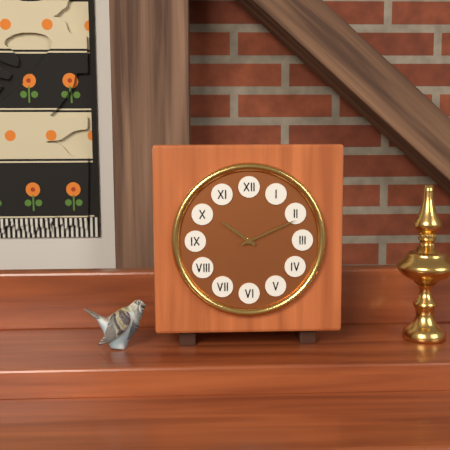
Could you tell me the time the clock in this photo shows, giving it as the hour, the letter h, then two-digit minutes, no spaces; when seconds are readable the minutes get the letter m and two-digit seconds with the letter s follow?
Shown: 10h11
